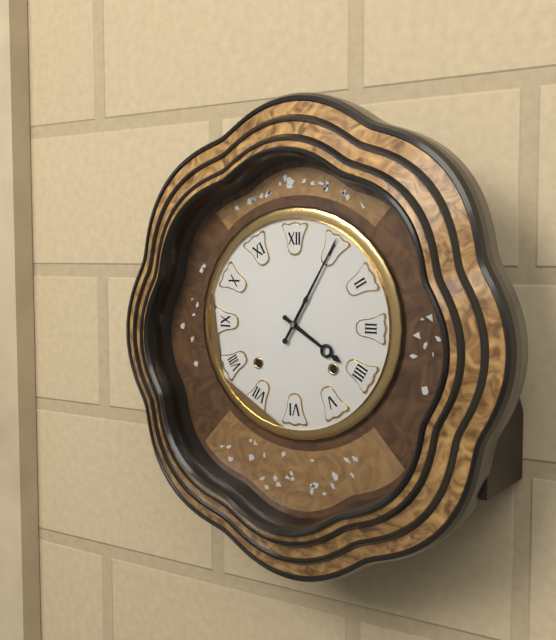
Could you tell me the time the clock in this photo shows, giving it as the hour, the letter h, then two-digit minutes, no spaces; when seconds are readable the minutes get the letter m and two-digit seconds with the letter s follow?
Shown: 4h05
